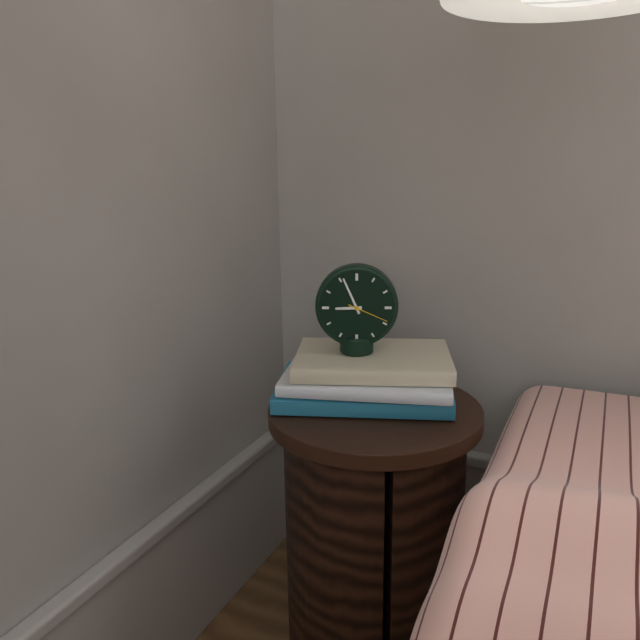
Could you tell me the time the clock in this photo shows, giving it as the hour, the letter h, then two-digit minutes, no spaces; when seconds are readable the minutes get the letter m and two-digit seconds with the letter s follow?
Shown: 8h56
